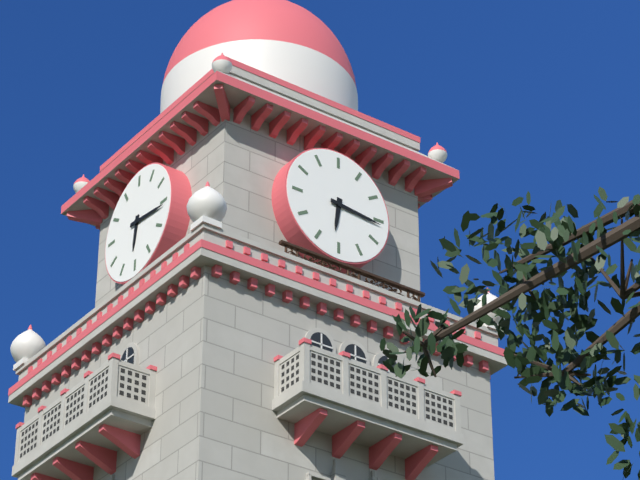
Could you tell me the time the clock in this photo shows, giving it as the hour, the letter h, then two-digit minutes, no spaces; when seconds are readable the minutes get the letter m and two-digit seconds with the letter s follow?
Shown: 6h16
